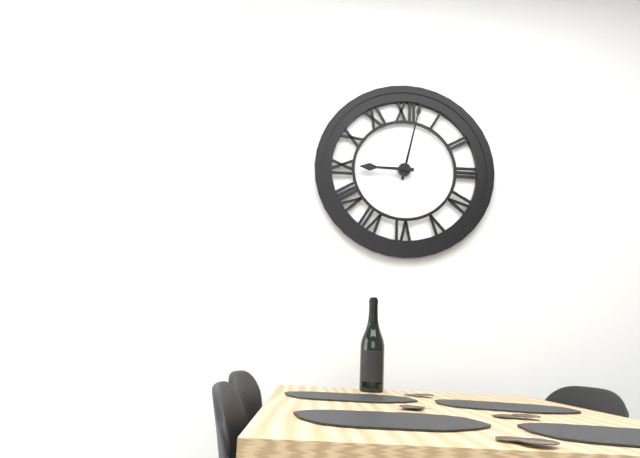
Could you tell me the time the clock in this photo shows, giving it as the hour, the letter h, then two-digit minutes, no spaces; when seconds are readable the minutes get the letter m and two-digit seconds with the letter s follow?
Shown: 9h02
